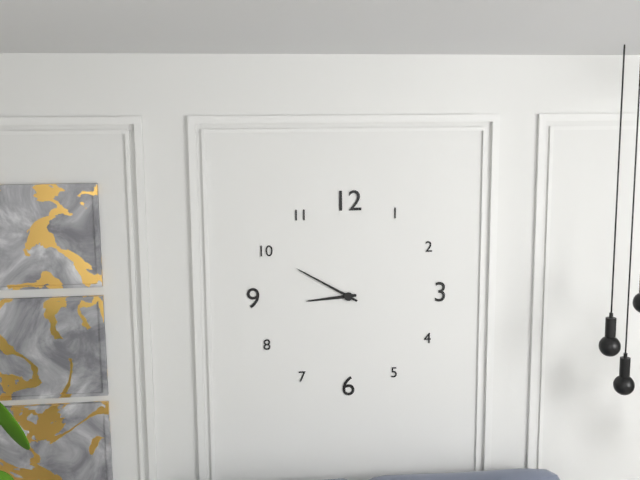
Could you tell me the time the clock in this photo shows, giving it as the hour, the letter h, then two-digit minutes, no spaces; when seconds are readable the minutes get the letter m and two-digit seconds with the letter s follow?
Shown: 8h50
